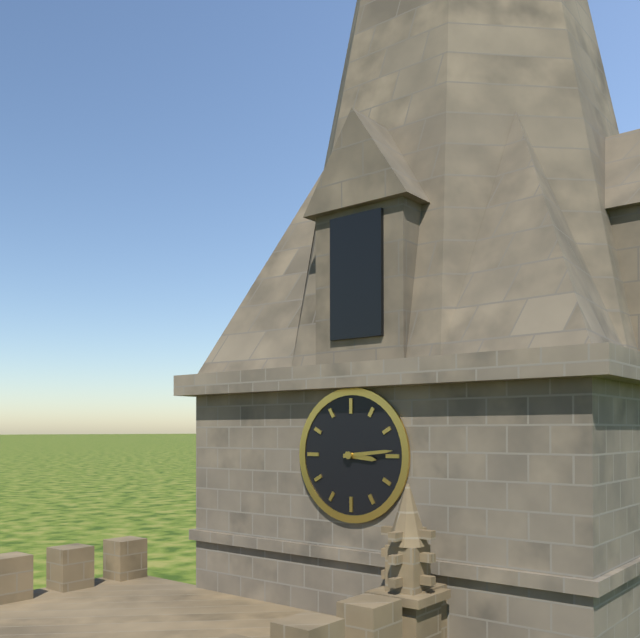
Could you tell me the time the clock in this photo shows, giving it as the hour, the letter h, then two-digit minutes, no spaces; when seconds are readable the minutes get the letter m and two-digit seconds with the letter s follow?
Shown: 3h14
